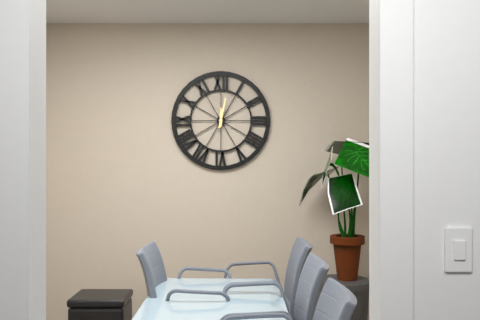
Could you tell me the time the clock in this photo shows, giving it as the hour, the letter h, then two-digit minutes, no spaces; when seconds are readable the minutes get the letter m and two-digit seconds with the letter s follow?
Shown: 12h02
